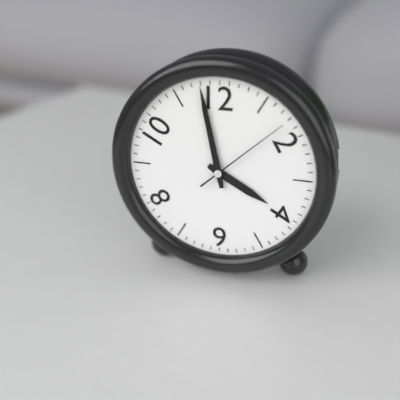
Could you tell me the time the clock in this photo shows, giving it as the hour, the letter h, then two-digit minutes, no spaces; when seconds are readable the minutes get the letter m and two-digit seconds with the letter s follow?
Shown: 3h58m08s
